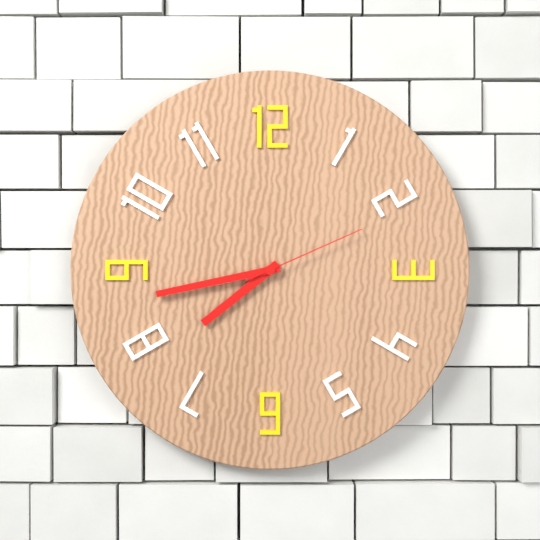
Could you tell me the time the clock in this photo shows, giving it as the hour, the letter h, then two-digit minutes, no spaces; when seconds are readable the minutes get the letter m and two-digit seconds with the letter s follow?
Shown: 7h43m11s
